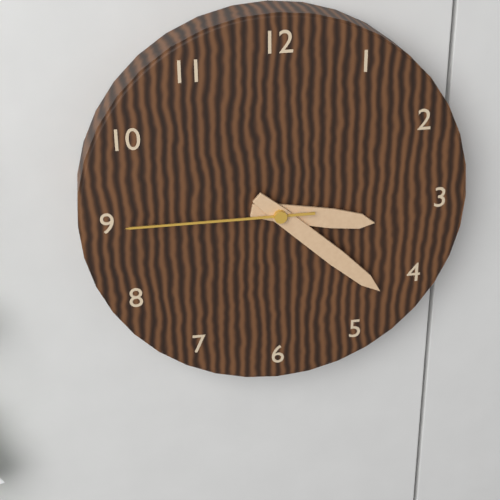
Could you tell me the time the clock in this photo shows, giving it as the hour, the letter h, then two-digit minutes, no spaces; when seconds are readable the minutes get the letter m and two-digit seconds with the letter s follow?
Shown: 3h22m45s
